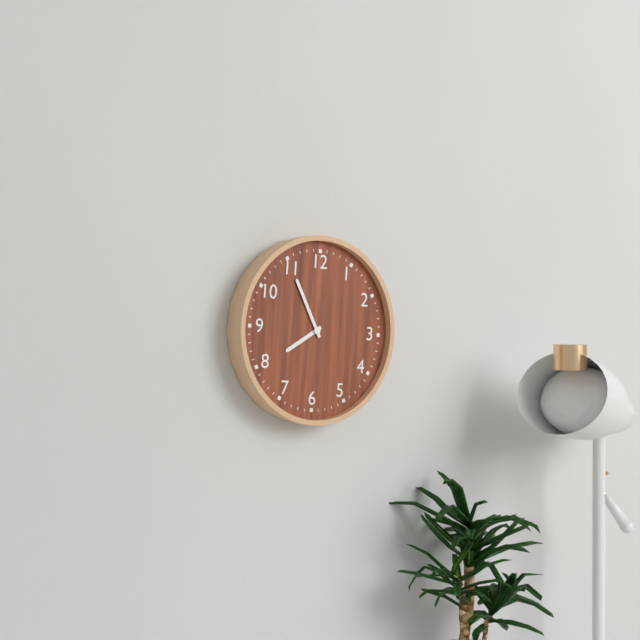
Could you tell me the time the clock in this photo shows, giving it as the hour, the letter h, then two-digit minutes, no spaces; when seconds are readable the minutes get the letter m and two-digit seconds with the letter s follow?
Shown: 7h55
